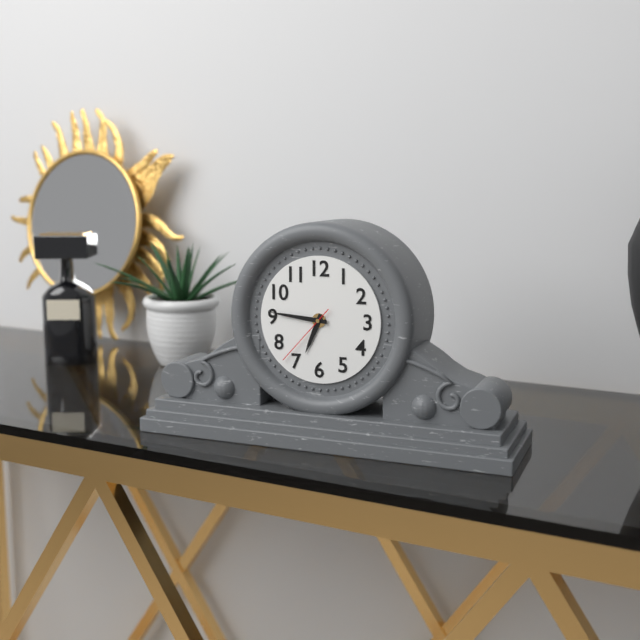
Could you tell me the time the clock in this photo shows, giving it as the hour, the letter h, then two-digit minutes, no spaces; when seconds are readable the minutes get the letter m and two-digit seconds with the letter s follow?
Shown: 6h46m37s
